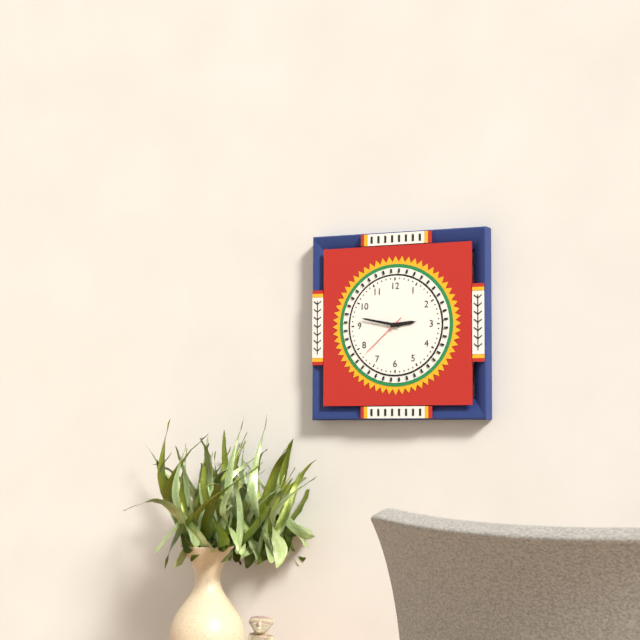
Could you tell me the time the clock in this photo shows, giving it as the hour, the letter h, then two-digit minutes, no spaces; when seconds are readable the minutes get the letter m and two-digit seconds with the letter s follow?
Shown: 2h47
